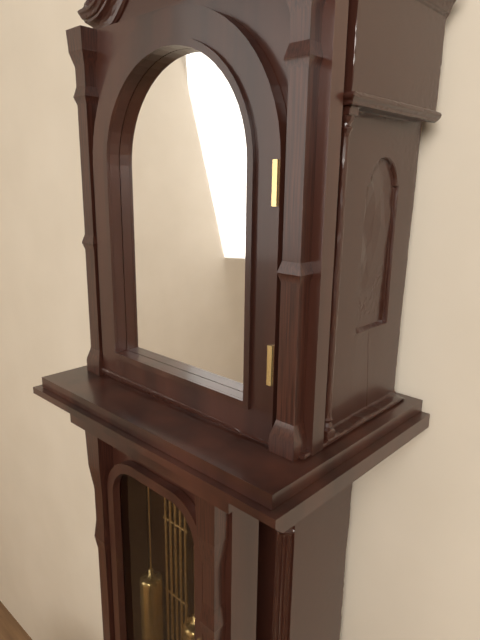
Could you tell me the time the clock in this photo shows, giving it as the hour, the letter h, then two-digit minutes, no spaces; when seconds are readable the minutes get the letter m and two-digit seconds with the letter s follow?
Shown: 5h41
